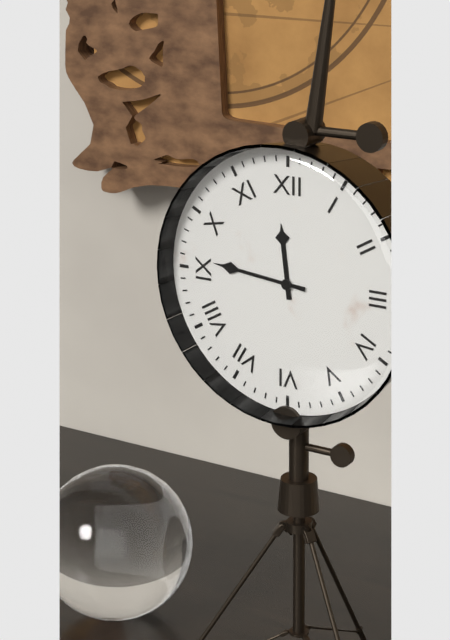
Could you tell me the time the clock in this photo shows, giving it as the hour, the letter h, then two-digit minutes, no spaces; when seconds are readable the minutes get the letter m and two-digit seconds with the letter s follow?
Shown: 11h46
